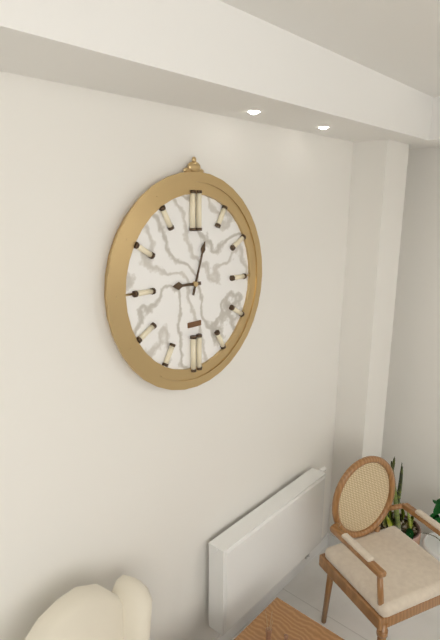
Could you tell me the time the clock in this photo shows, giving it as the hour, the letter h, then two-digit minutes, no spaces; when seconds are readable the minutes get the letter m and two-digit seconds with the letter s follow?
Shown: 9h03
